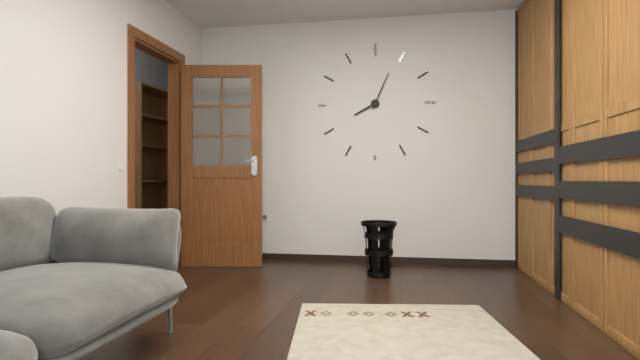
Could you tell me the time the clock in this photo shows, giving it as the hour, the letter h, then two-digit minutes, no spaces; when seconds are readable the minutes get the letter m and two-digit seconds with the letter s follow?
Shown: 8h04
